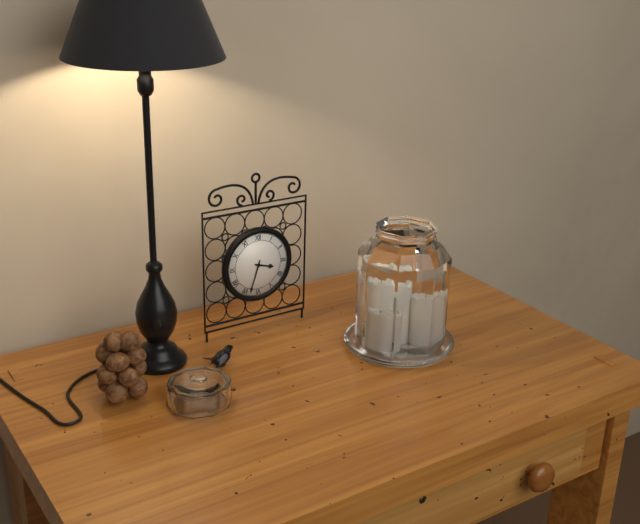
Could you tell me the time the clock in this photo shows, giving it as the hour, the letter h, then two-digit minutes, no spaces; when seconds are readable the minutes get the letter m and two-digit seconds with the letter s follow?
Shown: 3h33
